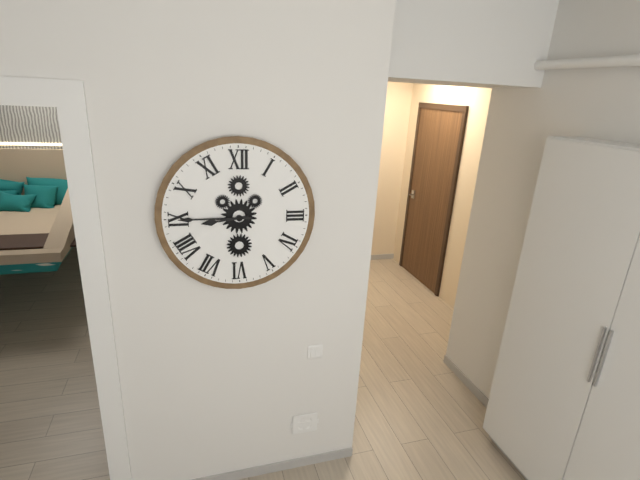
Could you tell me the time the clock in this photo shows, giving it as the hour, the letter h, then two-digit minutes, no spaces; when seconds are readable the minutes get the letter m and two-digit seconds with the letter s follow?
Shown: 8h45
